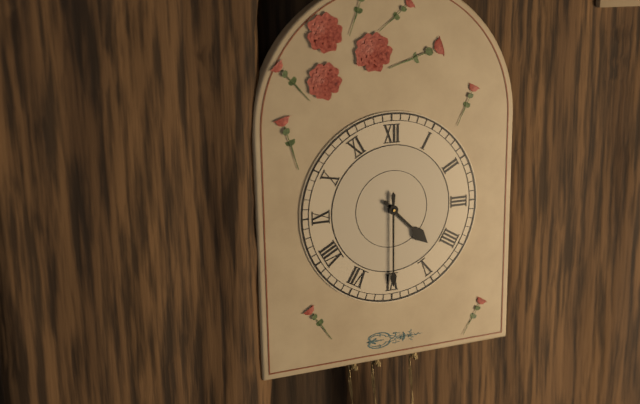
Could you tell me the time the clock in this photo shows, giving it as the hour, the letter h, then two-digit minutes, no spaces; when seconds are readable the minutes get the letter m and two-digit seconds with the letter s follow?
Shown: 4h30
